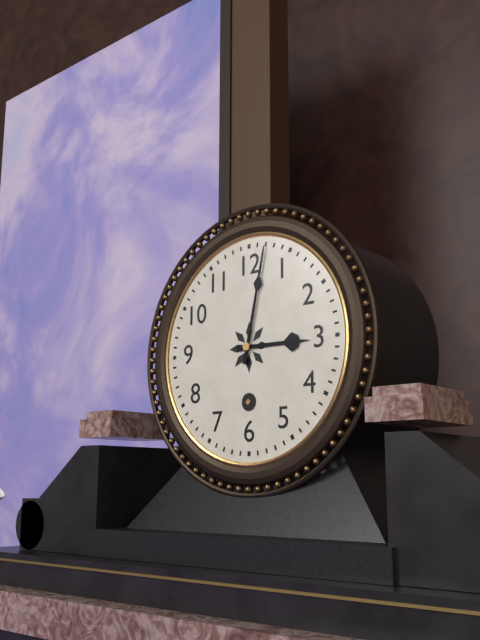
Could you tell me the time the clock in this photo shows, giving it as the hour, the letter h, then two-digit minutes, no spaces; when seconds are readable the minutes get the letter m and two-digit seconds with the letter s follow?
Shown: 3h02
